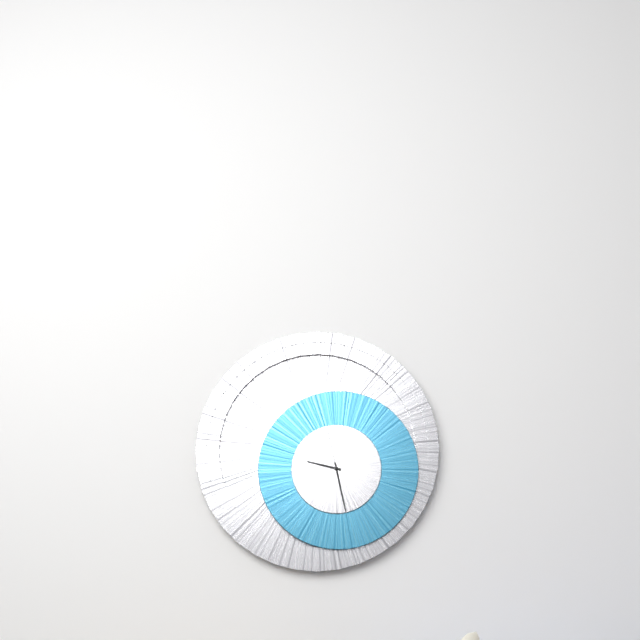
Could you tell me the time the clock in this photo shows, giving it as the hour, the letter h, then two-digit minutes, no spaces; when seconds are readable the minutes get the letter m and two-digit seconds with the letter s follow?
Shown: 9h28
